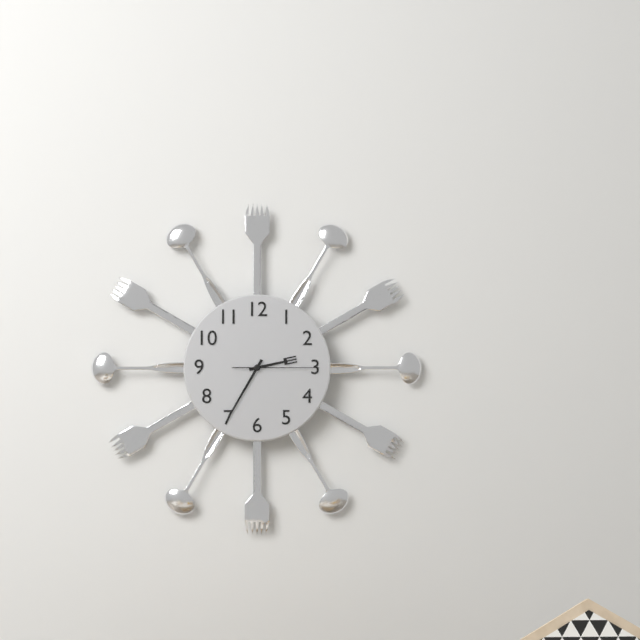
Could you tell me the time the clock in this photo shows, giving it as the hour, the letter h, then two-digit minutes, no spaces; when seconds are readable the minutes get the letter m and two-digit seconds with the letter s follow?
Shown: 2h35m15s
